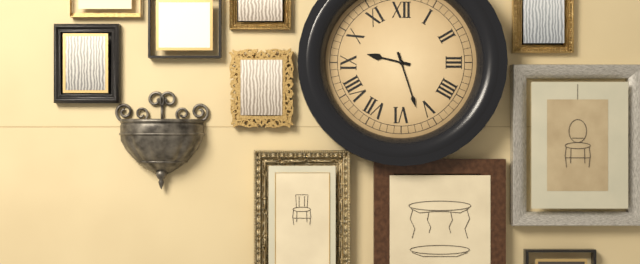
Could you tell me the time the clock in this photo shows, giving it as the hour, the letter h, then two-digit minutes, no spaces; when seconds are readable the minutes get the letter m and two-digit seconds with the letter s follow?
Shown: 9h27
